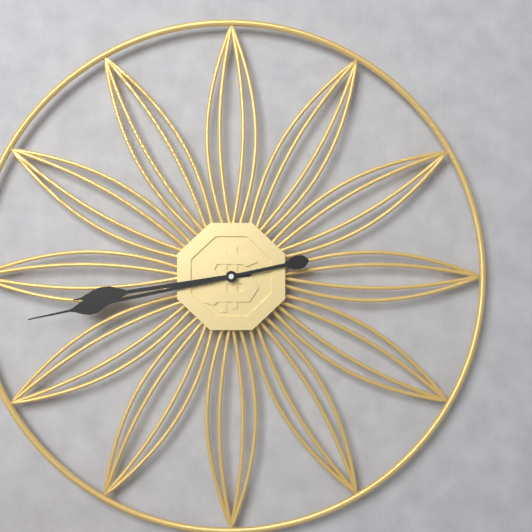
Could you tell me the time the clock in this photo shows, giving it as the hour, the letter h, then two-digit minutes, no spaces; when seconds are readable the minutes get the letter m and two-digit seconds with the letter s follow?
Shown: 8h43
